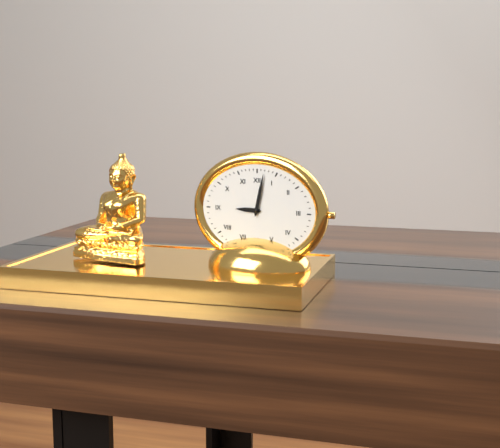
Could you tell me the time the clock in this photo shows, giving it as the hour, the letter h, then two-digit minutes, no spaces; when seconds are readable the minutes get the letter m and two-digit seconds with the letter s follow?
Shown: 9h02
